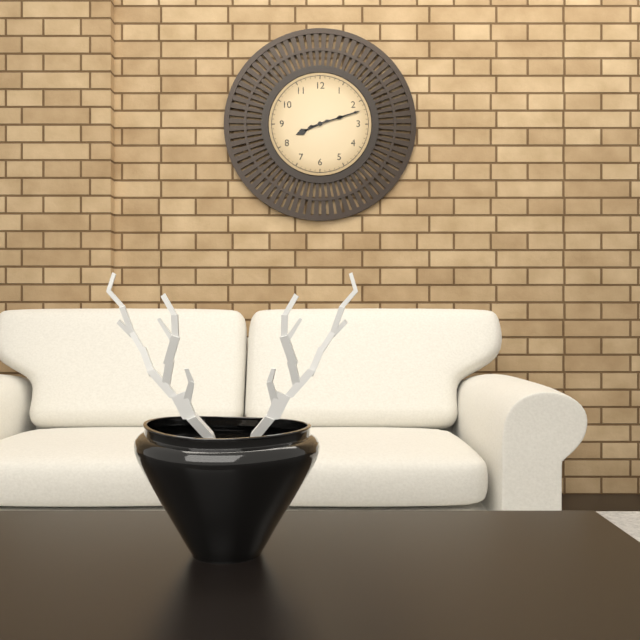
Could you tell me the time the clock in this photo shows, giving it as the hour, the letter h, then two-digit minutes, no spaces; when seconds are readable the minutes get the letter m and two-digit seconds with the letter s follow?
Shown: 8h12
